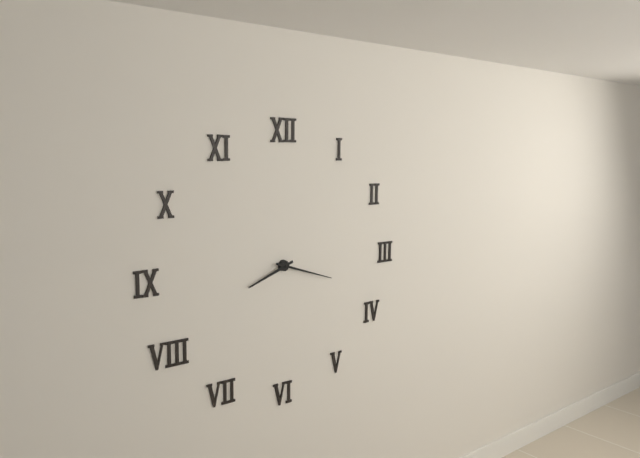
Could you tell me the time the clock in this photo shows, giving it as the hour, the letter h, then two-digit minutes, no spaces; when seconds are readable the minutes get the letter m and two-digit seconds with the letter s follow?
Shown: 8h18
